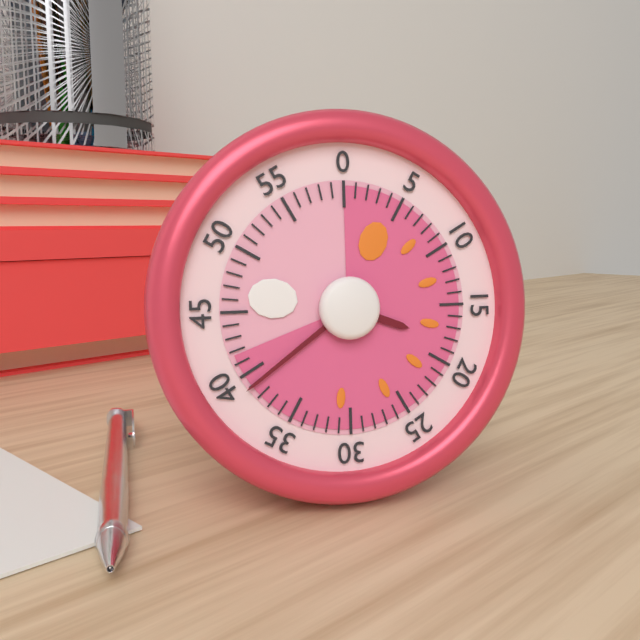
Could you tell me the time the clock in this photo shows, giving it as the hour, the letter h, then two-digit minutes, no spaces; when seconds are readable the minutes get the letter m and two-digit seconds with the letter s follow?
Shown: 3h39
